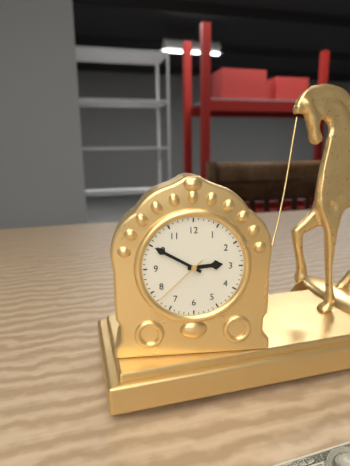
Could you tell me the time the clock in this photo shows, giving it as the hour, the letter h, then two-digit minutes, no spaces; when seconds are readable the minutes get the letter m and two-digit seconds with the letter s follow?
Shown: 2h50m38s
